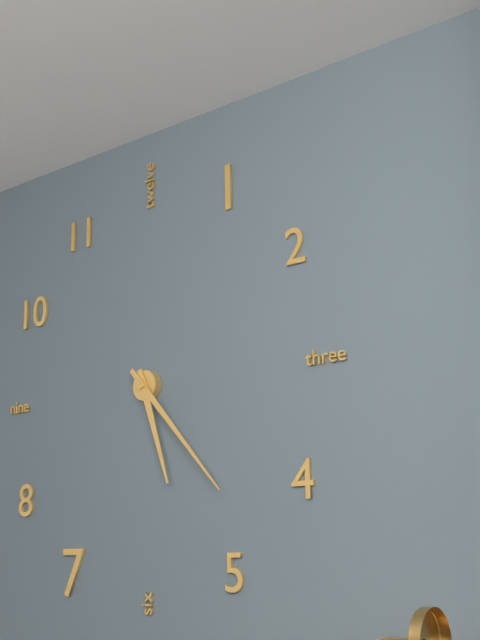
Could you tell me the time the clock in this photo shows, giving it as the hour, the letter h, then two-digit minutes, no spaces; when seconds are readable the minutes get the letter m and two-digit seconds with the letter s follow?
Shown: 5h23
